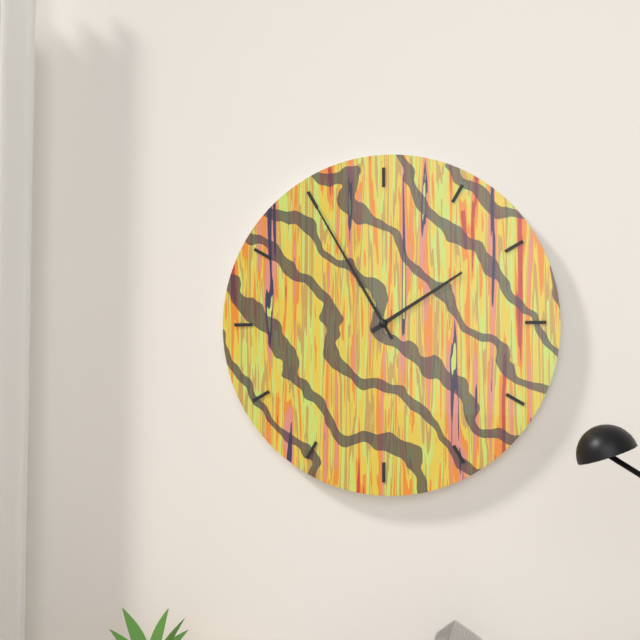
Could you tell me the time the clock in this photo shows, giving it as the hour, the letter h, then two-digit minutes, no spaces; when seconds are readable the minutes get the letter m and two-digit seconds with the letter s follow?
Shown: 1h55
